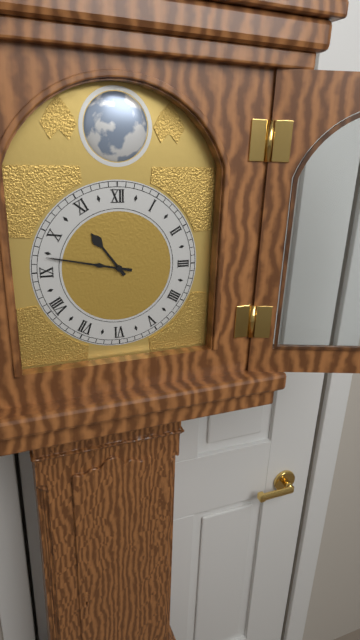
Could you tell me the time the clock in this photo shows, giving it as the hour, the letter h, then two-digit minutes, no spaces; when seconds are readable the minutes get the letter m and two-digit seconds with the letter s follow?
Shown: 10h47
